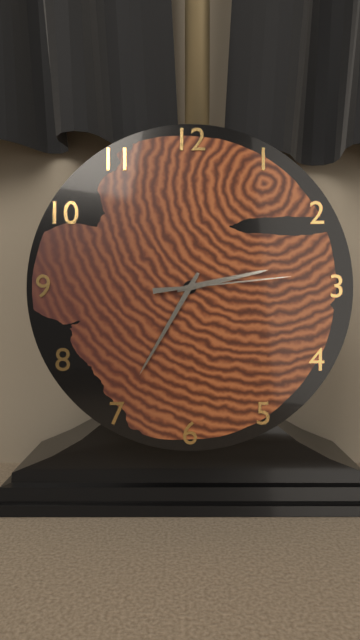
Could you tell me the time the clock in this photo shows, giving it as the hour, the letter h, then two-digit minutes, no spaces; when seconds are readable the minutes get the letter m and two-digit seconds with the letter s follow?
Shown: 2h35m14s
